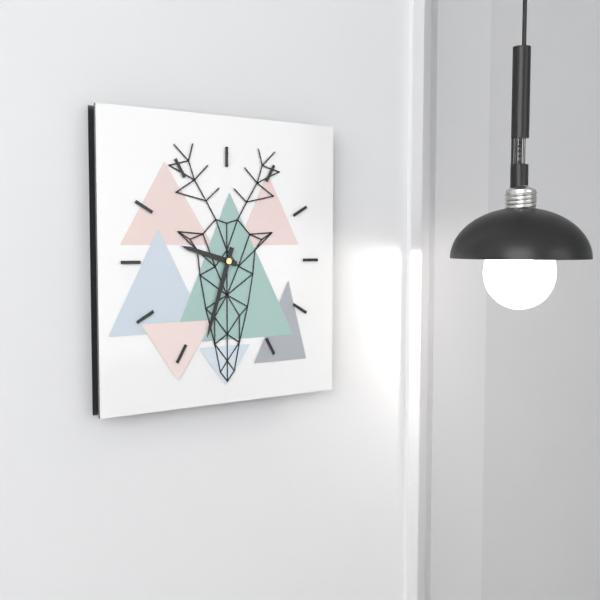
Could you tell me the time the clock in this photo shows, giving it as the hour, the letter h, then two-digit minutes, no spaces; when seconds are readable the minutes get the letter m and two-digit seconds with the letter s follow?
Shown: 9h33
